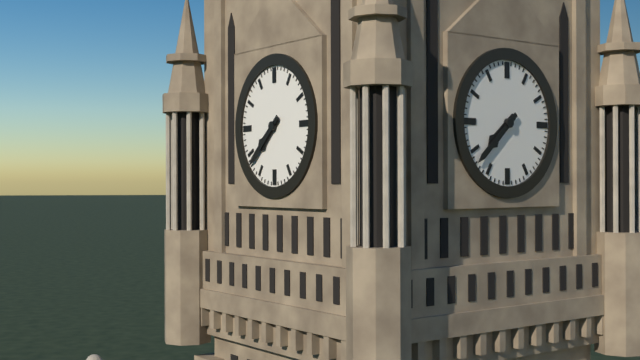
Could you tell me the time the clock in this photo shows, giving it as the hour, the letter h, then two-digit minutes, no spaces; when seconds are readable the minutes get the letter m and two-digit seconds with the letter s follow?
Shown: 7h38
